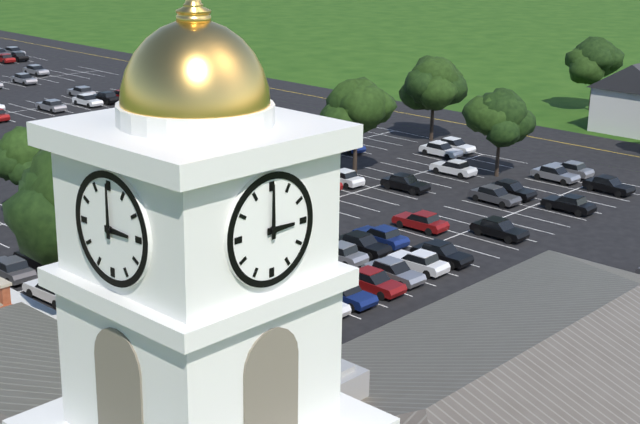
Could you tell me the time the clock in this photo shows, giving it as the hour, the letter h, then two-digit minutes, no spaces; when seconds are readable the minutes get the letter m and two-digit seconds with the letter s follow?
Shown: 3h00
